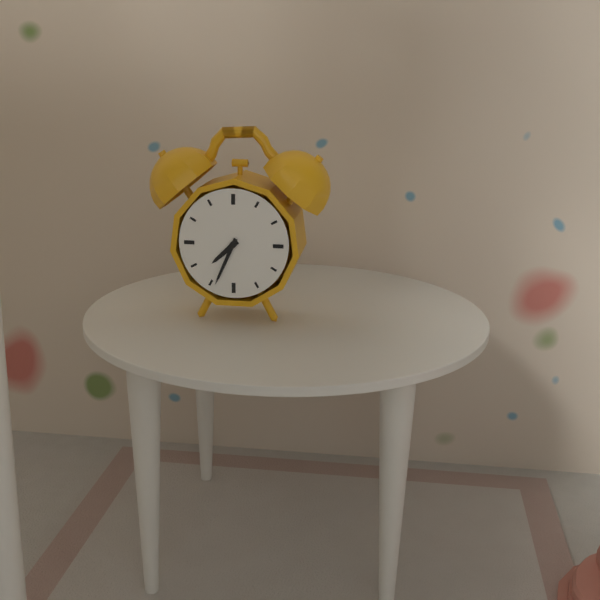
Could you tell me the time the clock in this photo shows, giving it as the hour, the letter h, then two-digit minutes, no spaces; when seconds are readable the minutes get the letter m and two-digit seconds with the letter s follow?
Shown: 7h34
